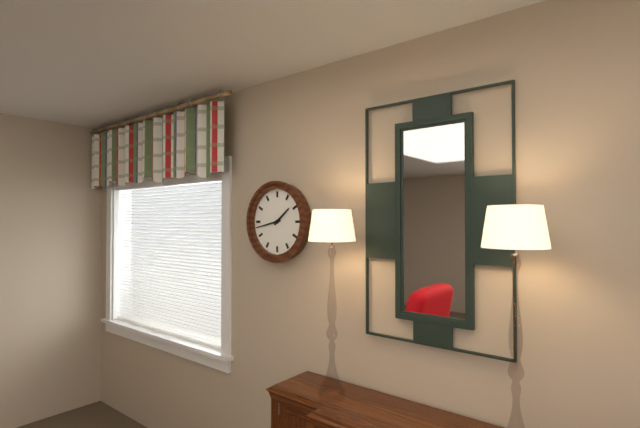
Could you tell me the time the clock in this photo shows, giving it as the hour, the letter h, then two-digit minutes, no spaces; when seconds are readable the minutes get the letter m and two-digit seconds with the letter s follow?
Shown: 1h43
